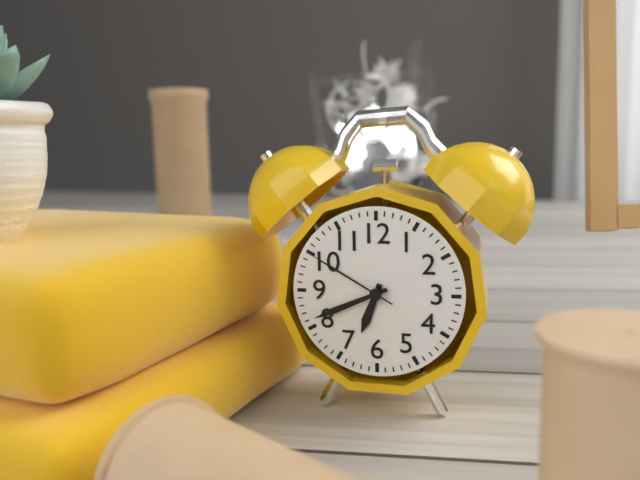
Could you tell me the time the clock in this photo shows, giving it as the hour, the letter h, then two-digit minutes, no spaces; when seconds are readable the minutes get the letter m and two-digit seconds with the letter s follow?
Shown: 6h41m50s
